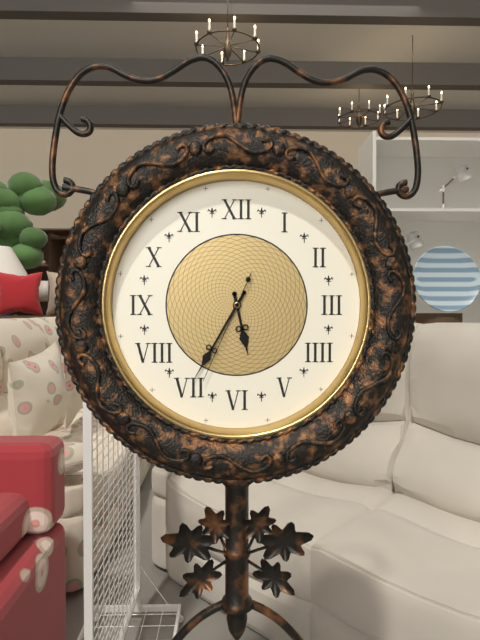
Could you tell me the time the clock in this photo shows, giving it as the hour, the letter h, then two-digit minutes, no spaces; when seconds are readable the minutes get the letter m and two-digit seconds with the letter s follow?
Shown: 5h35m34s
